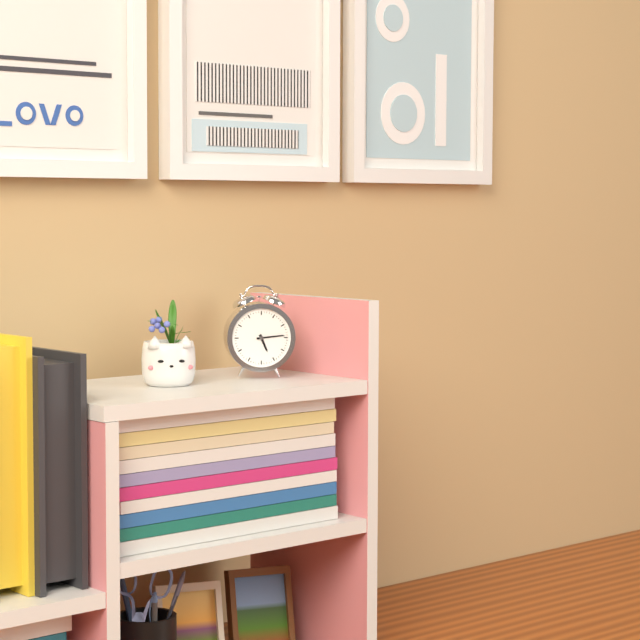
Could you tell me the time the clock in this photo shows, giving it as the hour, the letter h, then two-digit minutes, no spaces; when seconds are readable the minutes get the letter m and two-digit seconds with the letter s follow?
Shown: 5h14
